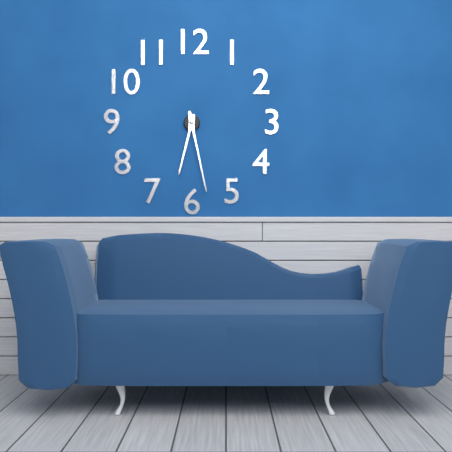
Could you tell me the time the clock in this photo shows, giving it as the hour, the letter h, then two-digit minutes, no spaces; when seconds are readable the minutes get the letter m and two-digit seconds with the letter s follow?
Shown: 6h28
